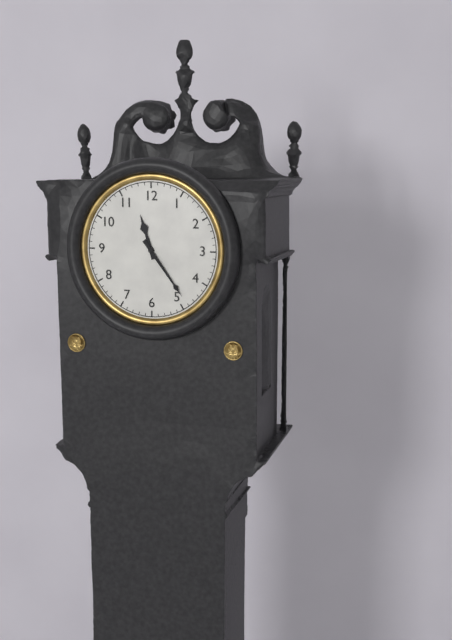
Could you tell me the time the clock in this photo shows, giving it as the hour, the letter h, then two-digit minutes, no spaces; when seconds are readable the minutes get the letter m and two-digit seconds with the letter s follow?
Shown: 11h24
